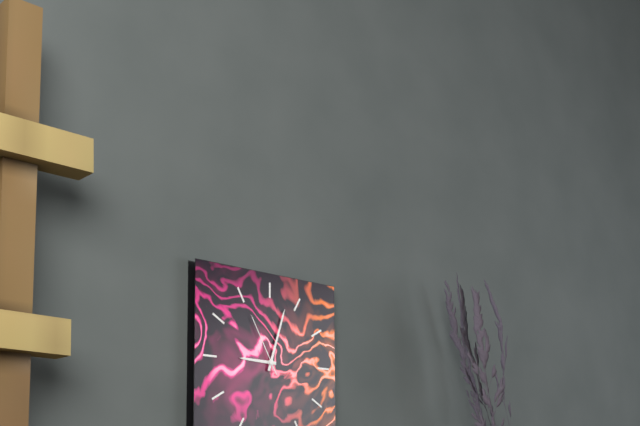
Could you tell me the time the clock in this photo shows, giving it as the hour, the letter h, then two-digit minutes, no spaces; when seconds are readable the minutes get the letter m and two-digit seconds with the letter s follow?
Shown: 9h03m55s
